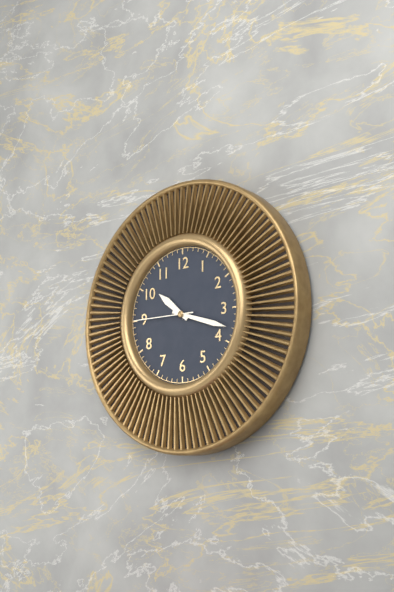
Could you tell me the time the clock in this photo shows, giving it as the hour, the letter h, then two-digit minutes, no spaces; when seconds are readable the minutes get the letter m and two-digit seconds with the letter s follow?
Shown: 10h18m45s
